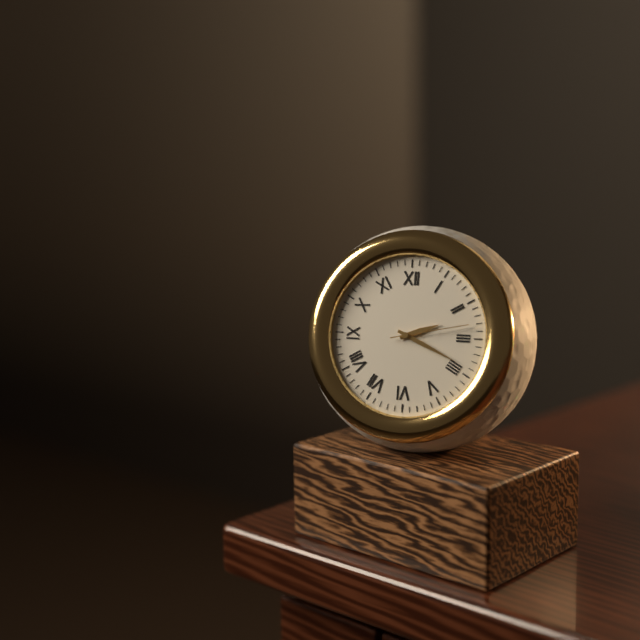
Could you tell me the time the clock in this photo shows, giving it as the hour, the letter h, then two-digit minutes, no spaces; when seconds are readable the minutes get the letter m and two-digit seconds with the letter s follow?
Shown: 2h19m13s
